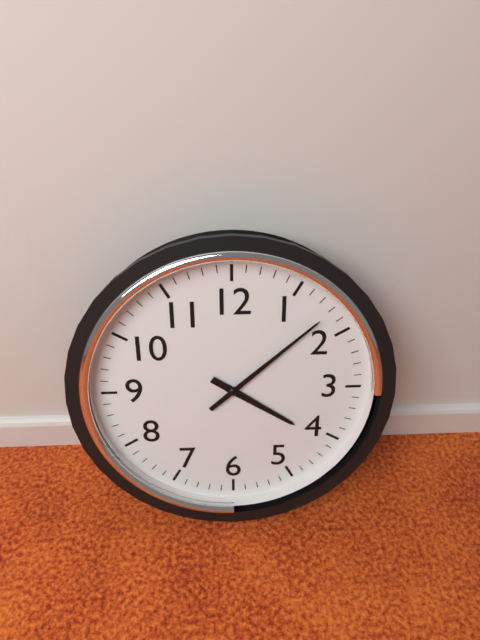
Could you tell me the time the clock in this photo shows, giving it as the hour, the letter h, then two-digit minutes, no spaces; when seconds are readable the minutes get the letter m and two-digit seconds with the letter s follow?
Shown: 4h08
